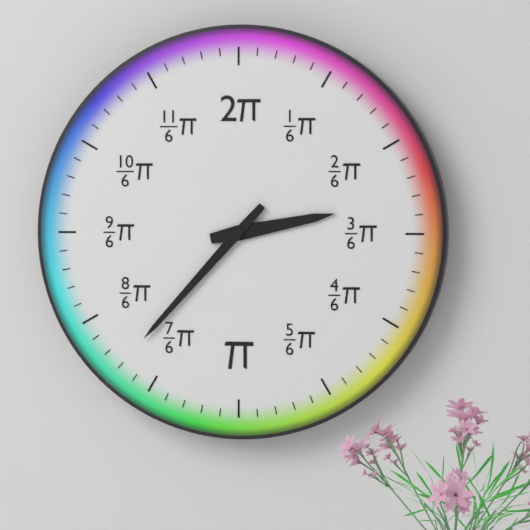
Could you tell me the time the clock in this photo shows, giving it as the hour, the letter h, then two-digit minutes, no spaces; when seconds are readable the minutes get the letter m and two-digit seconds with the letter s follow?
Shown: 2h37
